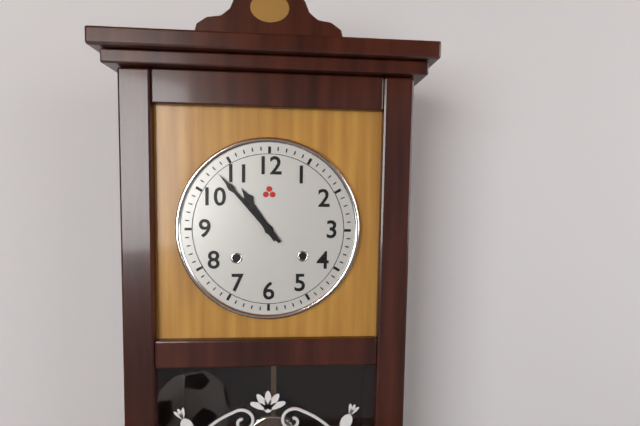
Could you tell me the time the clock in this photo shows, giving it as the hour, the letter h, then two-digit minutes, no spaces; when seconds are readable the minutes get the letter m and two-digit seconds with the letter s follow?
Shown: 10h53
